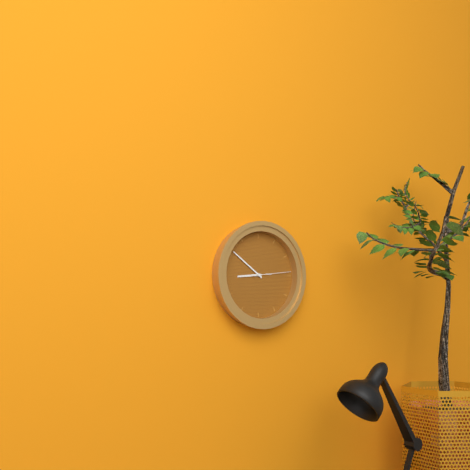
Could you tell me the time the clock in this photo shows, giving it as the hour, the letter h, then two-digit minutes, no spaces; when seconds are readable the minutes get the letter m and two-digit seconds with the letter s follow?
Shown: 8h51
